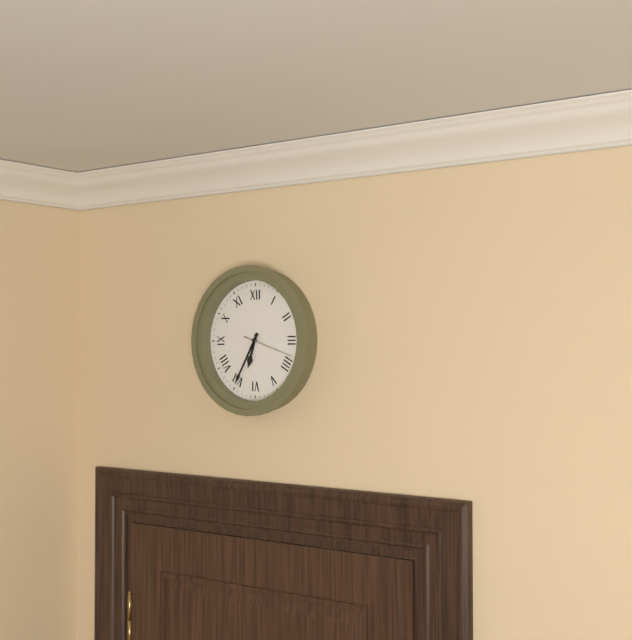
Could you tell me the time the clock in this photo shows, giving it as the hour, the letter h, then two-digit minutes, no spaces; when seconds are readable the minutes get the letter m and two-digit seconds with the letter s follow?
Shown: 6h35m18s
